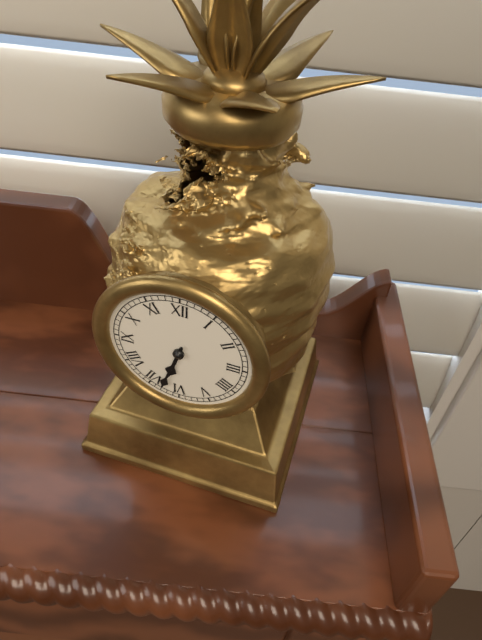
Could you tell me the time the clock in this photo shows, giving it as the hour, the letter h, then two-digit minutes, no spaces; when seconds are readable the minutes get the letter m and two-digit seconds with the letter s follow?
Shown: 6h33
